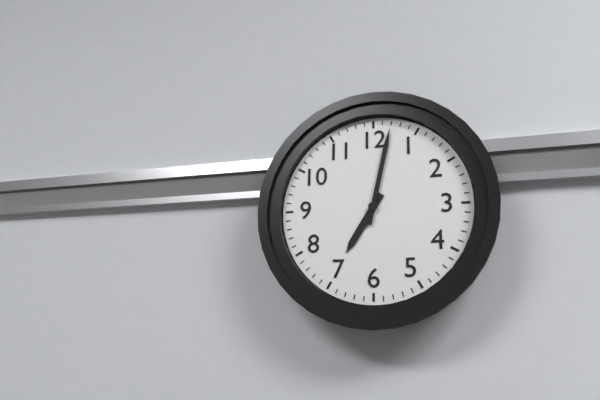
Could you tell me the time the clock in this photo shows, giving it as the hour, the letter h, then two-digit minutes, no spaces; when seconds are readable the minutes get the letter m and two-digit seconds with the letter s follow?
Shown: 7h02
